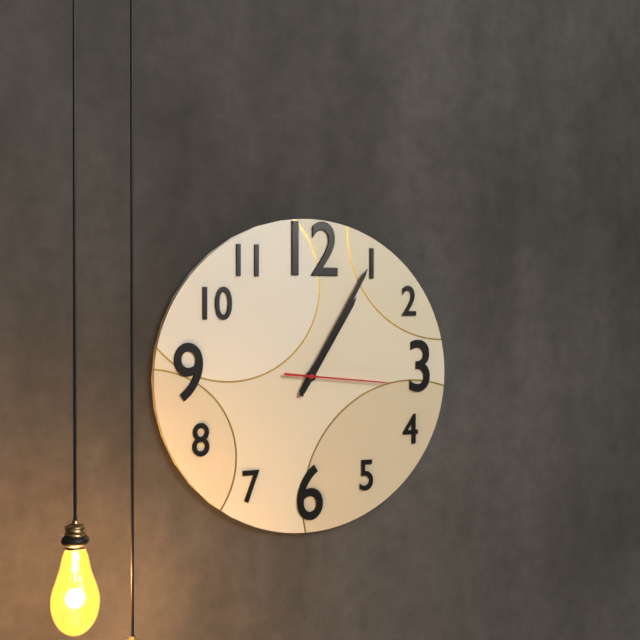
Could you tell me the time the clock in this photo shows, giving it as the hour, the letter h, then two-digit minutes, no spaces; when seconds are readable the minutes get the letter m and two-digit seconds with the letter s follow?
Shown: 1h05m16s
